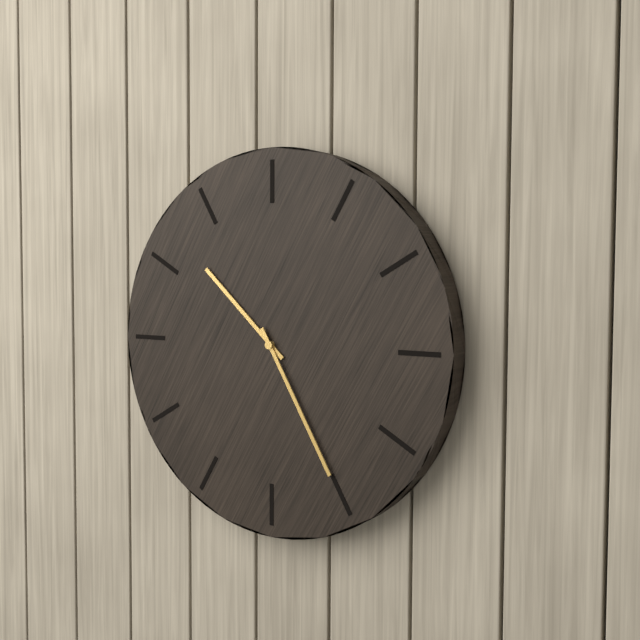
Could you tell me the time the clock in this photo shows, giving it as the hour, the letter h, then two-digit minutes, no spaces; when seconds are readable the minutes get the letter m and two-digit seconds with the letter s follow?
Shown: 10h25
